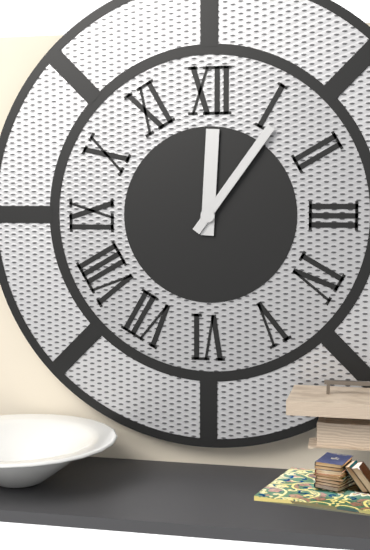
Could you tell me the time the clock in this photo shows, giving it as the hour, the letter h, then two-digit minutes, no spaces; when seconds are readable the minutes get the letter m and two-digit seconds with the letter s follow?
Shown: 12h06
